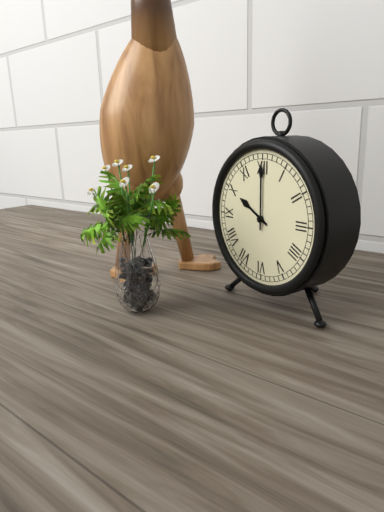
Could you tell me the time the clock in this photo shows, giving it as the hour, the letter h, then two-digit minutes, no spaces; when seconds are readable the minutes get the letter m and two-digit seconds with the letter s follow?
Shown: 10h00
